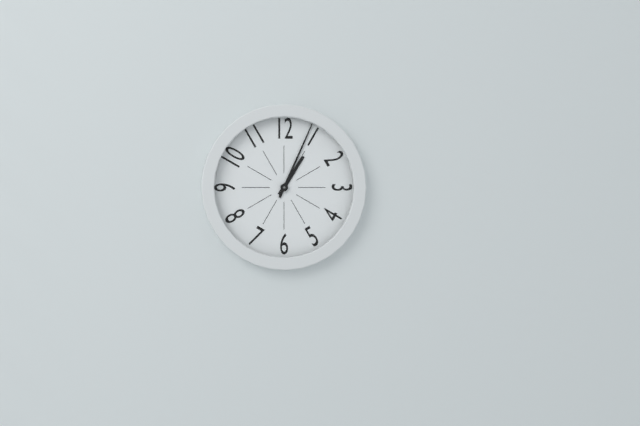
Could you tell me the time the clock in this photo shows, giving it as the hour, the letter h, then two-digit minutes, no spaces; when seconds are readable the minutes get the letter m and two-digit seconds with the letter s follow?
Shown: 1h04
